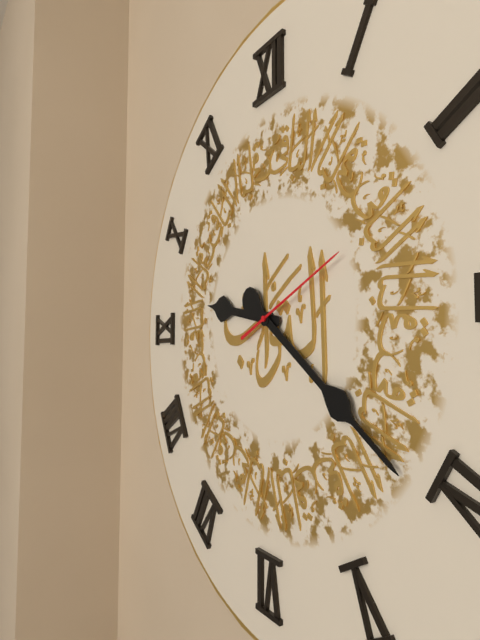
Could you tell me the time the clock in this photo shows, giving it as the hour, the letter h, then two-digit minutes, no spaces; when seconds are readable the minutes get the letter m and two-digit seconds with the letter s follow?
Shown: 9h21m11s
